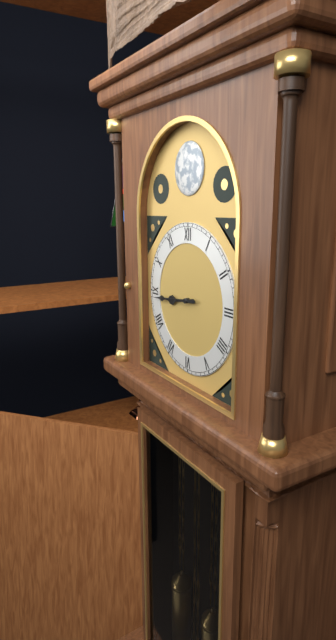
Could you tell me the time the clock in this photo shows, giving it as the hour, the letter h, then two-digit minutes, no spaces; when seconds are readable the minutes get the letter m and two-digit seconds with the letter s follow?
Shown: 8h44
